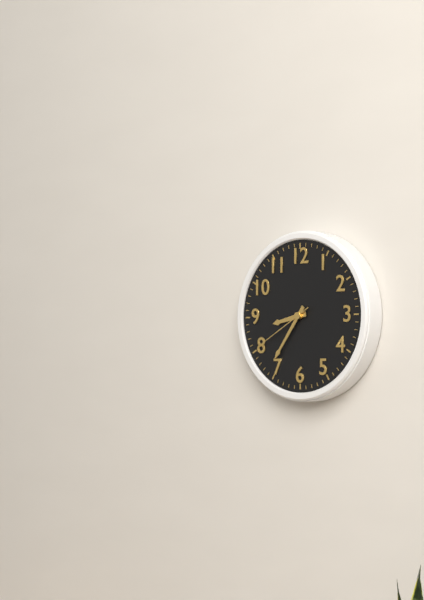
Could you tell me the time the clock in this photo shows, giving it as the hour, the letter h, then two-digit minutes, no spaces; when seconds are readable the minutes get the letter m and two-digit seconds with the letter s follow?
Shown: 8h36m40s
